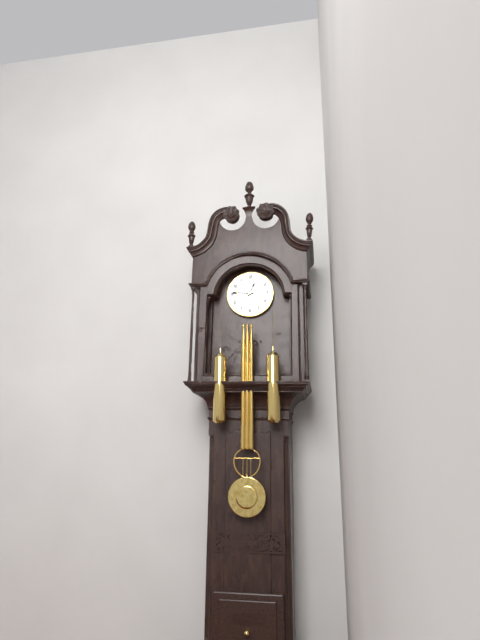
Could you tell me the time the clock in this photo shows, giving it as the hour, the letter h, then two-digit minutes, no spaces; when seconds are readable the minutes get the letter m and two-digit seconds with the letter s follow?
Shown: 12h46
